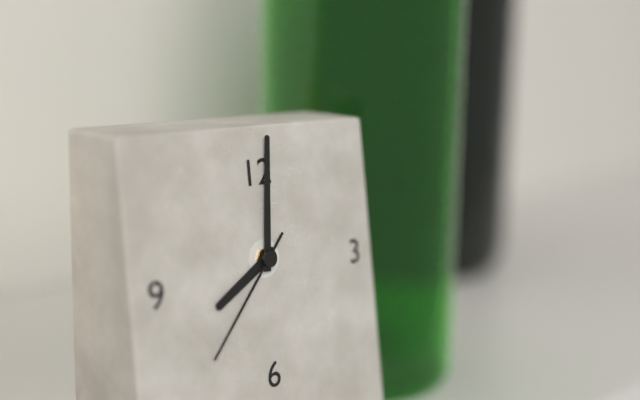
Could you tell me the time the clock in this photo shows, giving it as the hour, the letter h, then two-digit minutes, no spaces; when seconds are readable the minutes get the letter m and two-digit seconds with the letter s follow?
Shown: 8h01m37s
